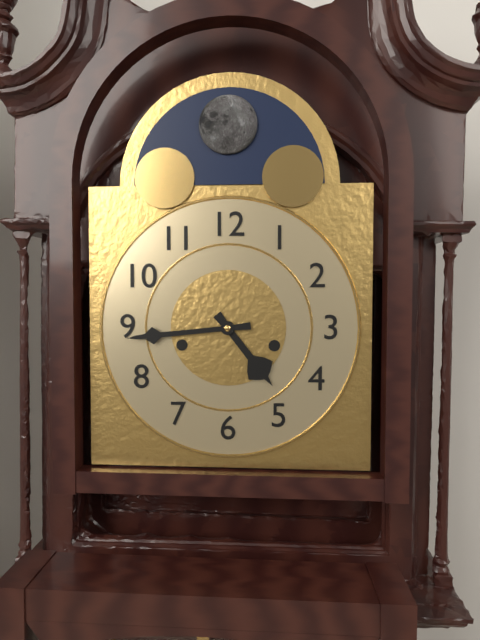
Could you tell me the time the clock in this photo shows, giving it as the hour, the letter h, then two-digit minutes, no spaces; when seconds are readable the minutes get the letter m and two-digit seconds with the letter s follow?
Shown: 4h44
